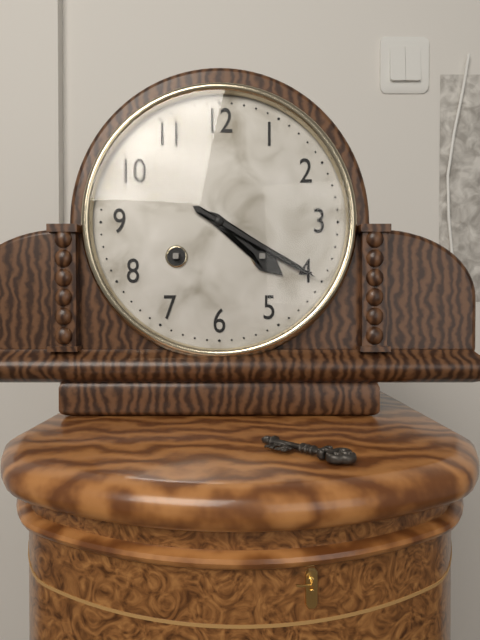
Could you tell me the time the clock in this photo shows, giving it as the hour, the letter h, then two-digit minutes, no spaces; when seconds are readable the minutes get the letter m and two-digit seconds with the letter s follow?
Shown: 4h20
